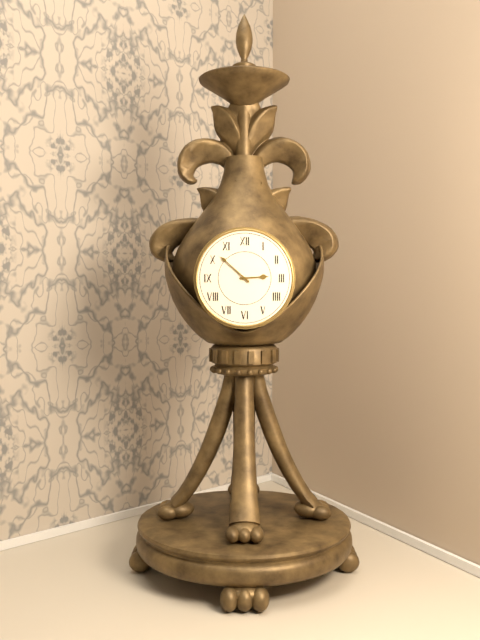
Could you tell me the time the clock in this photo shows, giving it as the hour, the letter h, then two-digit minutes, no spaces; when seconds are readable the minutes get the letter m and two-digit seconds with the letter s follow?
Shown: 2h52
